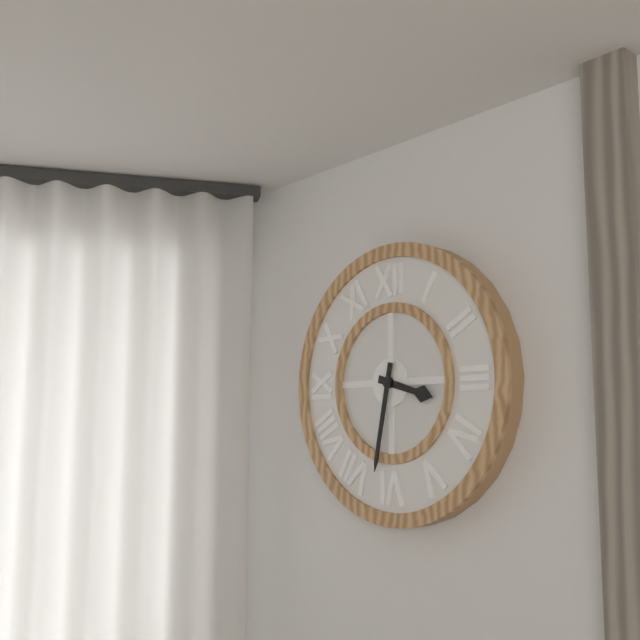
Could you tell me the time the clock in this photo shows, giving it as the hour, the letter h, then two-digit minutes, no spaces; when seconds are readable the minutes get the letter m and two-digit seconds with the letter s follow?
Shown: 3h32
